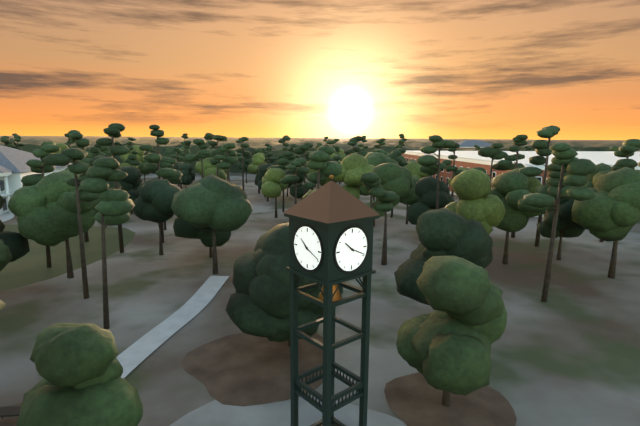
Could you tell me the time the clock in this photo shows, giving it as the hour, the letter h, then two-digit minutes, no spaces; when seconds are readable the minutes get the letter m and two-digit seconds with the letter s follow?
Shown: 10h19
